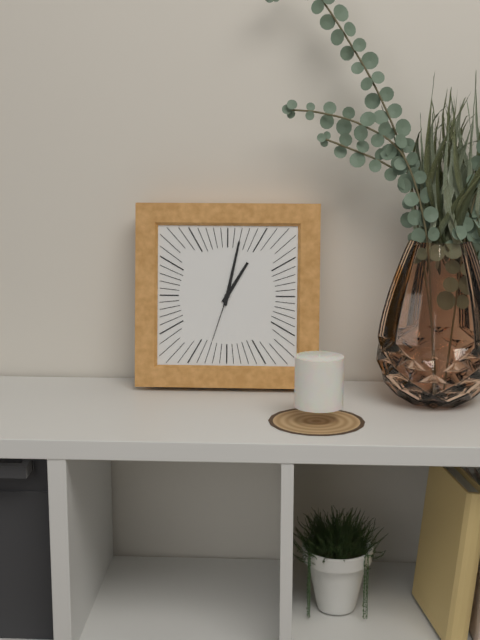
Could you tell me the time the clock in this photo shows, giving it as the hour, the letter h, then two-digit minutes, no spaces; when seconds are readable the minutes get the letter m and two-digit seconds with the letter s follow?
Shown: 1h02m33s
